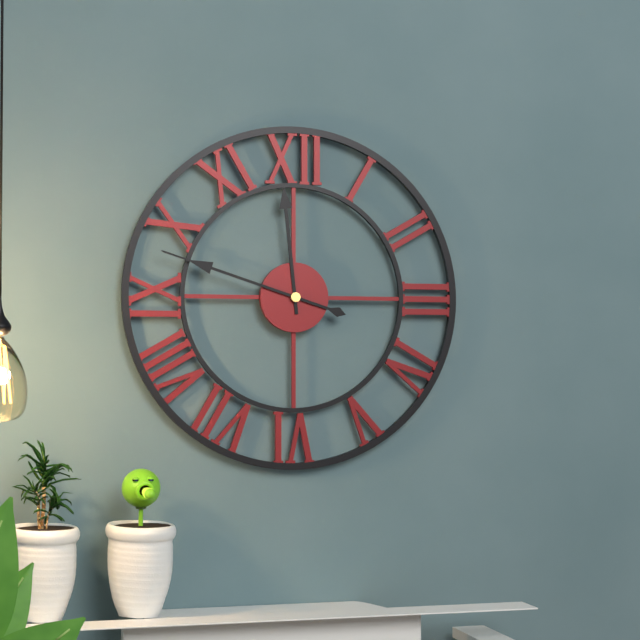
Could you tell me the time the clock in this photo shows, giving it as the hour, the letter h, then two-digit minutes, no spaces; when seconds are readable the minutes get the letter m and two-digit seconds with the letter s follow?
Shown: 11h48
